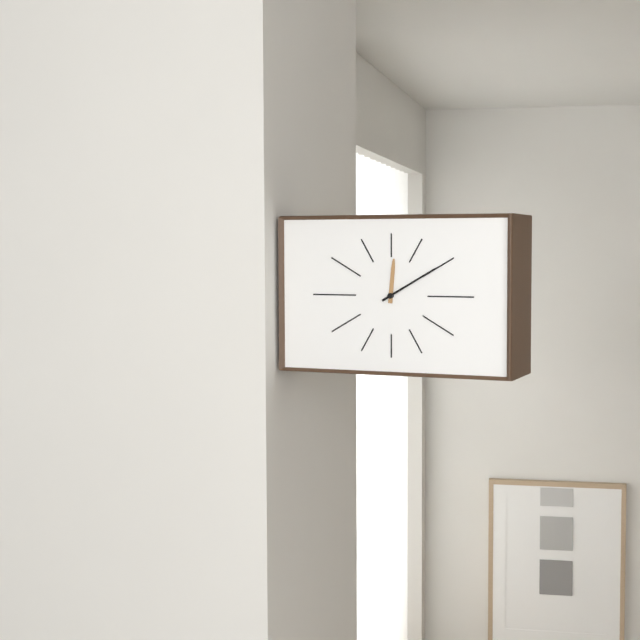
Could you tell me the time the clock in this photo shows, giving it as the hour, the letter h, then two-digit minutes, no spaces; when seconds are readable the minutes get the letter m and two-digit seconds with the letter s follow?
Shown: 12h10
